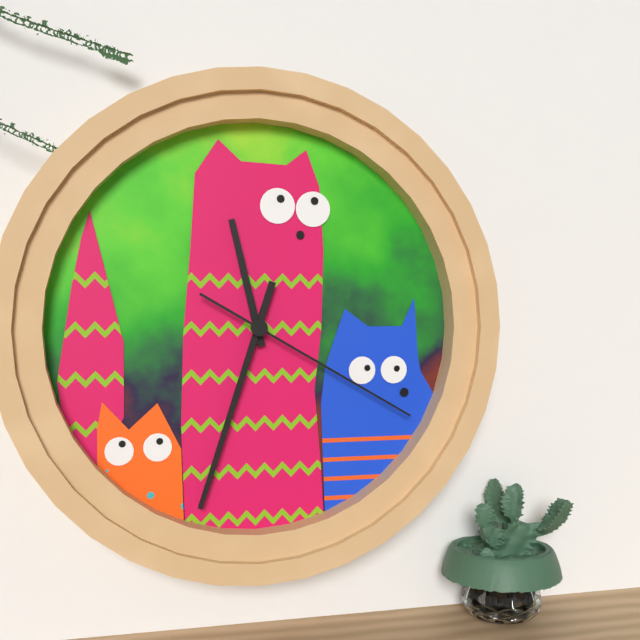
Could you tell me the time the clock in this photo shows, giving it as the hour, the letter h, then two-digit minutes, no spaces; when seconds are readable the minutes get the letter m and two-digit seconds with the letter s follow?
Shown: 11h33m20s
